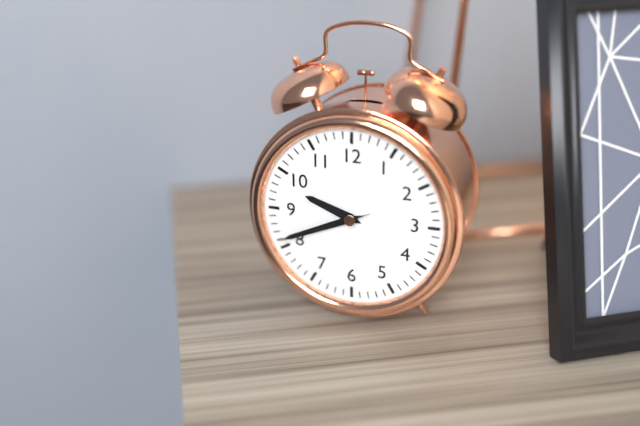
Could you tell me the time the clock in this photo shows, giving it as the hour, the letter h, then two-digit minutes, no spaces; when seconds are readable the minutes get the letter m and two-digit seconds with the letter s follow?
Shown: 9h41m41s
